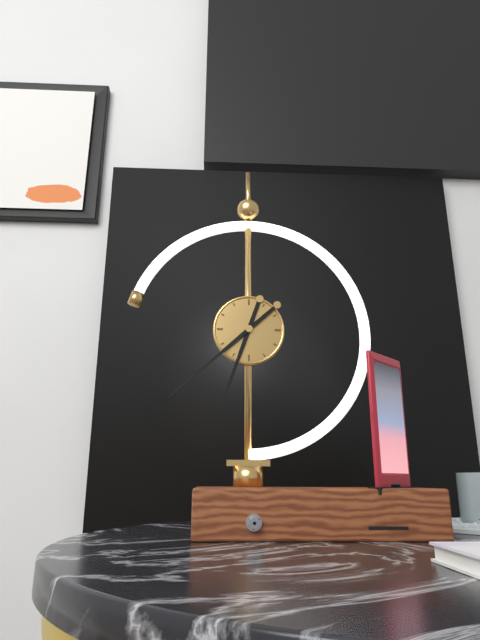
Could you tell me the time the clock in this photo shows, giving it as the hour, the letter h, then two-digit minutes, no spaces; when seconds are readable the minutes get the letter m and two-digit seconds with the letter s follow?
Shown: 6h38
